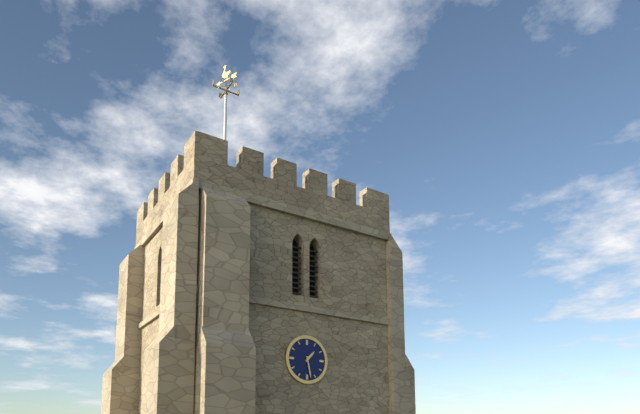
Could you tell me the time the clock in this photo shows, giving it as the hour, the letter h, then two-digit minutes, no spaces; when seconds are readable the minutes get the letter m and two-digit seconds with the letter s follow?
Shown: 1h28
